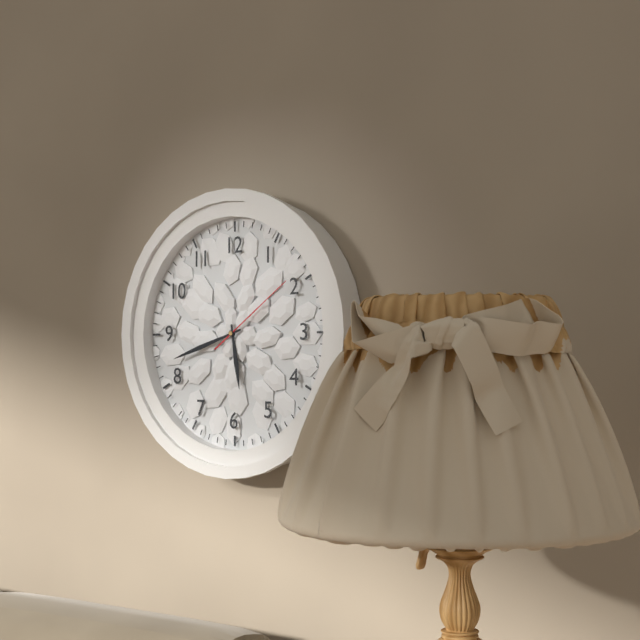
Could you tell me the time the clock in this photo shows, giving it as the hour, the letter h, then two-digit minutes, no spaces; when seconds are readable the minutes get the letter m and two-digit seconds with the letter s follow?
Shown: 5h42m09s
